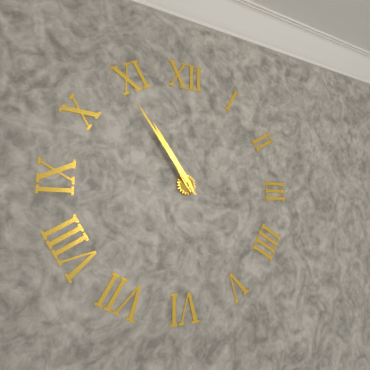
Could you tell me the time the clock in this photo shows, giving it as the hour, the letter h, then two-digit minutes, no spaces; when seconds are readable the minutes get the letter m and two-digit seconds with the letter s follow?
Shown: 10h54
